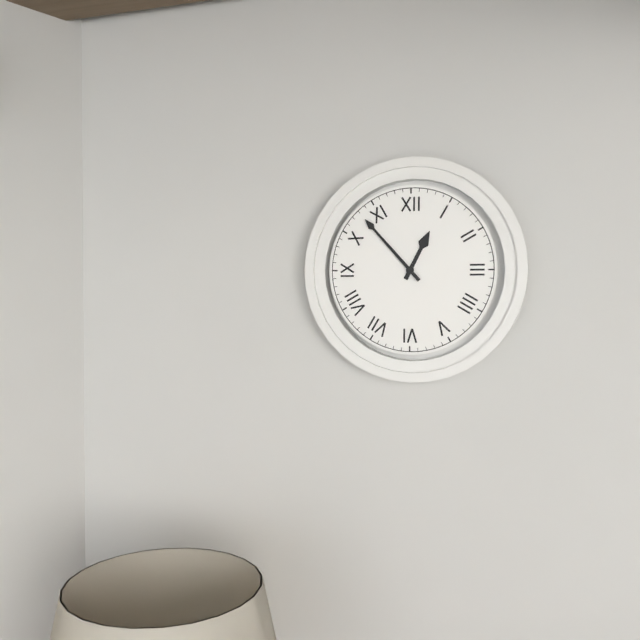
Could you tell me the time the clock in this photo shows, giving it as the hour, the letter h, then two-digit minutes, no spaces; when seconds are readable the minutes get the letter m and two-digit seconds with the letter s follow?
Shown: 12h53
